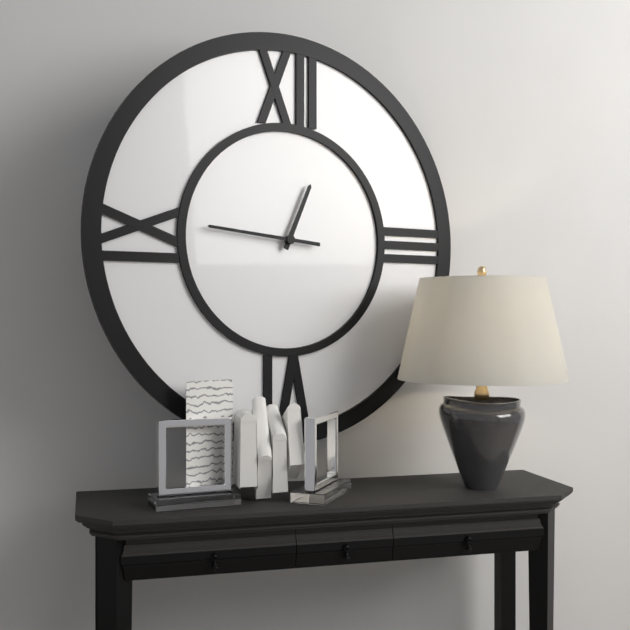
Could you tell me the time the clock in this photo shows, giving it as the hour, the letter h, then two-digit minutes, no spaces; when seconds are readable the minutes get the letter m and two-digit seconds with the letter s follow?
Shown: 12h46
